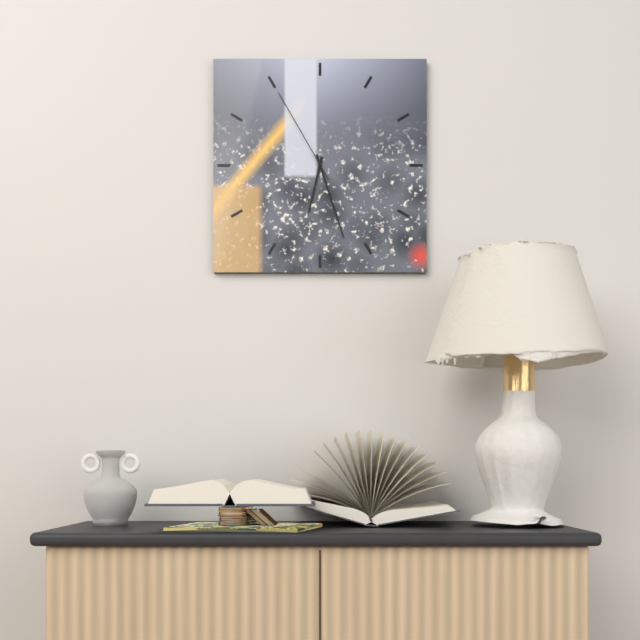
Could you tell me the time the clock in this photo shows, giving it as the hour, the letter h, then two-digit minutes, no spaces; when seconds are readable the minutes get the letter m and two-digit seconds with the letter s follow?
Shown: 6h27m55s
